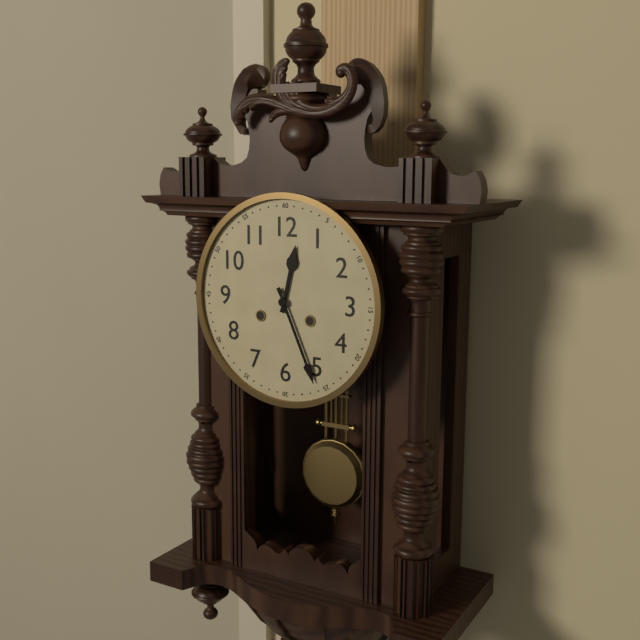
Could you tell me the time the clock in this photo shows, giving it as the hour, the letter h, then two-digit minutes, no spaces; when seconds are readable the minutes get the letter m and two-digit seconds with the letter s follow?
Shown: 12h26
